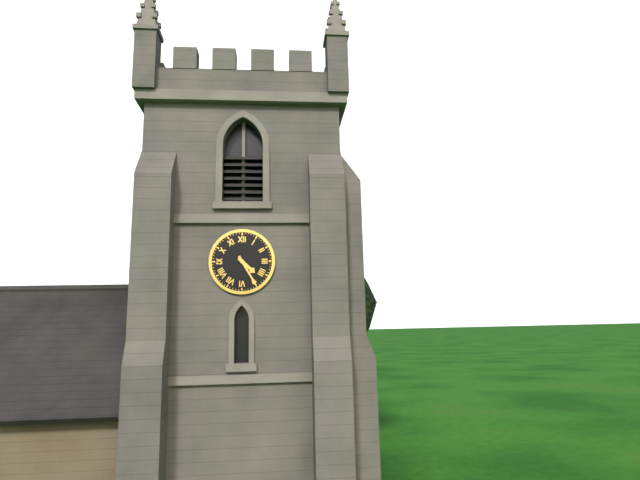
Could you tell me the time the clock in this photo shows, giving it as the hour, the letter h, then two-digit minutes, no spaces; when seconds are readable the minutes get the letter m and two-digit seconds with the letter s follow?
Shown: 4h25
